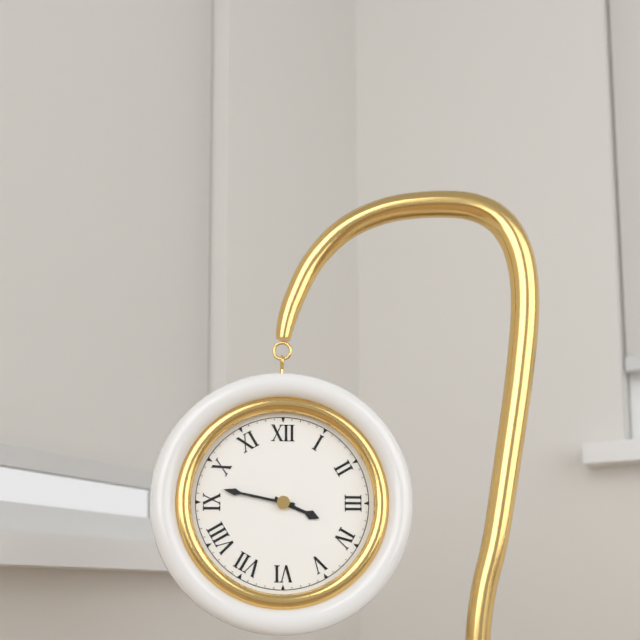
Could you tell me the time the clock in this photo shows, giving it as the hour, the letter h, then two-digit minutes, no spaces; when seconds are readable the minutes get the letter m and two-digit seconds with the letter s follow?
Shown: 3h47
